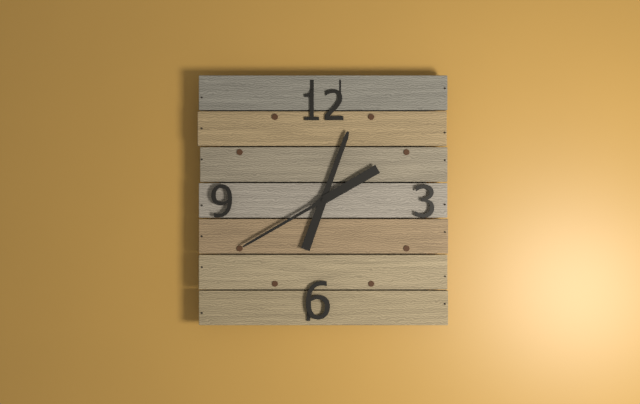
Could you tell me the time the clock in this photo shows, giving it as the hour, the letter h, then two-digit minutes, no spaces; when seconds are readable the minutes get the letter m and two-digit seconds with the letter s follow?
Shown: 12h40
